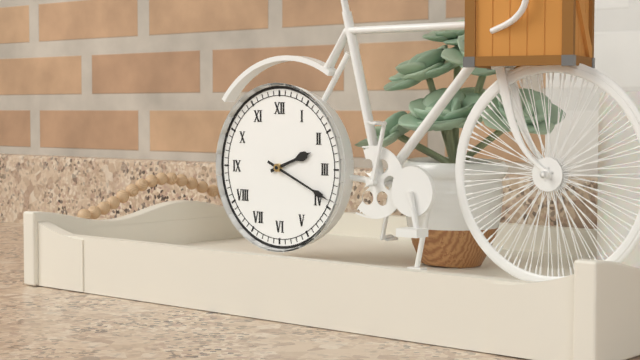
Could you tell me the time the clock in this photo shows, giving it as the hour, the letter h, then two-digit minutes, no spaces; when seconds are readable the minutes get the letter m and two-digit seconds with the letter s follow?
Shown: 2h19
